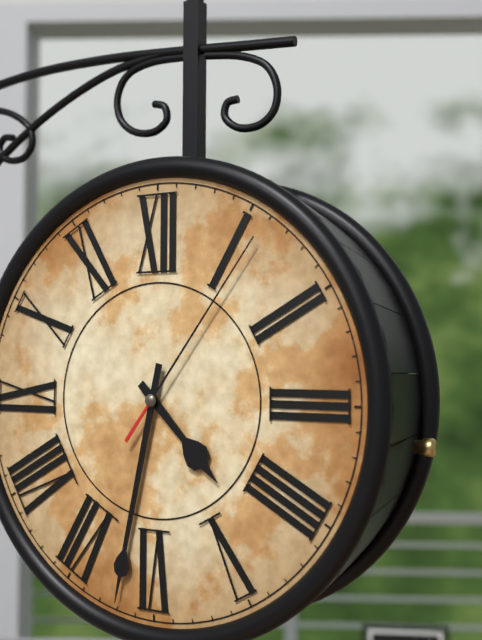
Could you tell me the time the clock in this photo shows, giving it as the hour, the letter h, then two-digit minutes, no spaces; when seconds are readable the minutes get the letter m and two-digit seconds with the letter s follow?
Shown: 4h32m06s
